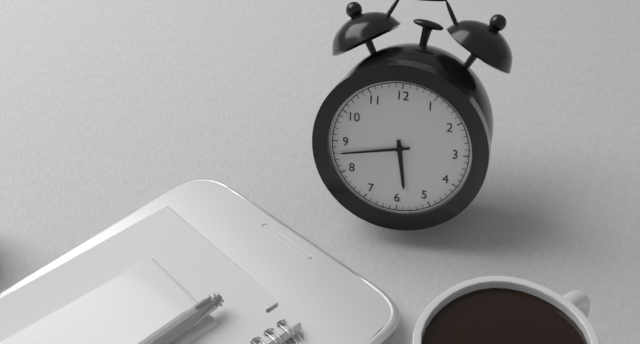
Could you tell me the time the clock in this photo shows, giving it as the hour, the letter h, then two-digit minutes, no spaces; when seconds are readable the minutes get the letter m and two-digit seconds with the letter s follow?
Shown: 5h43
